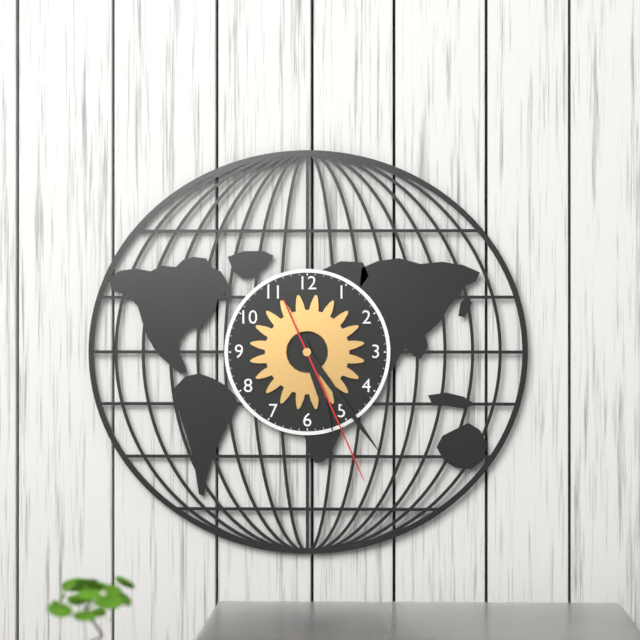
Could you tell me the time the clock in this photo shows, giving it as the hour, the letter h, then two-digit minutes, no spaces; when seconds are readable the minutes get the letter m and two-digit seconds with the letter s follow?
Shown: 5h24m26s
